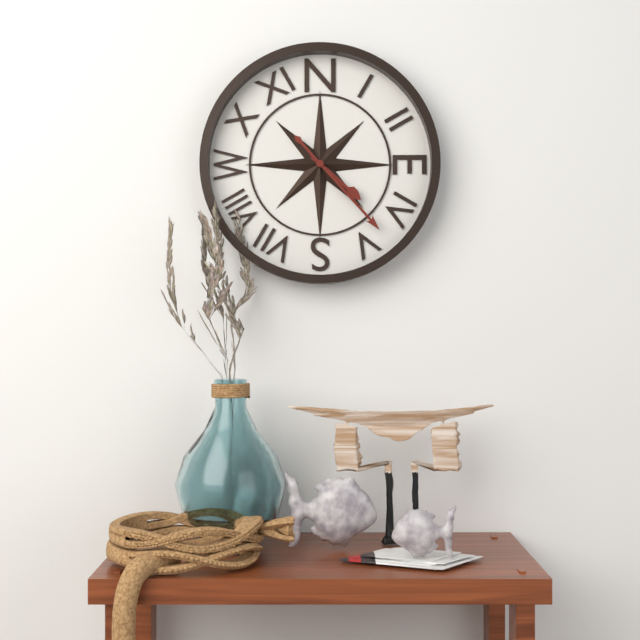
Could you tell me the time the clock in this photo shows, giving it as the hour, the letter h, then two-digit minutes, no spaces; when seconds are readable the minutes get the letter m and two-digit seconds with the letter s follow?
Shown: 4h23
